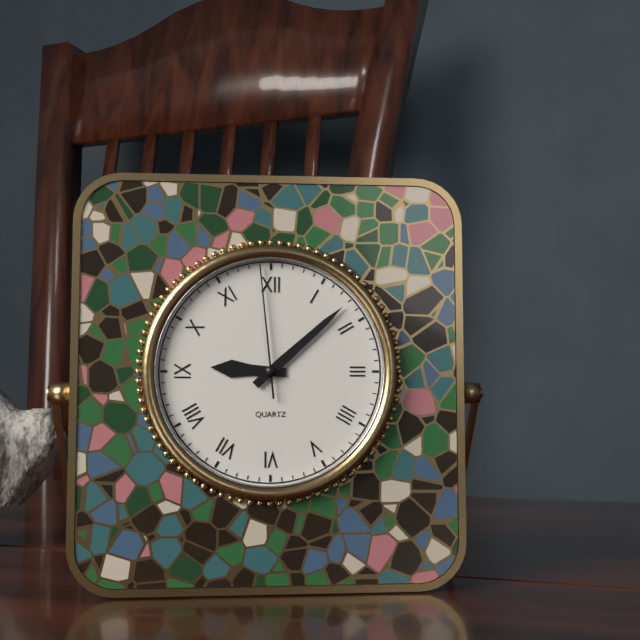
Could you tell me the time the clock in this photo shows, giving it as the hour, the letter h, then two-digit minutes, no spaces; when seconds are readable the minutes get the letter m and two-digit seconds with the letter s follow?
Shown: 9h08m59s
